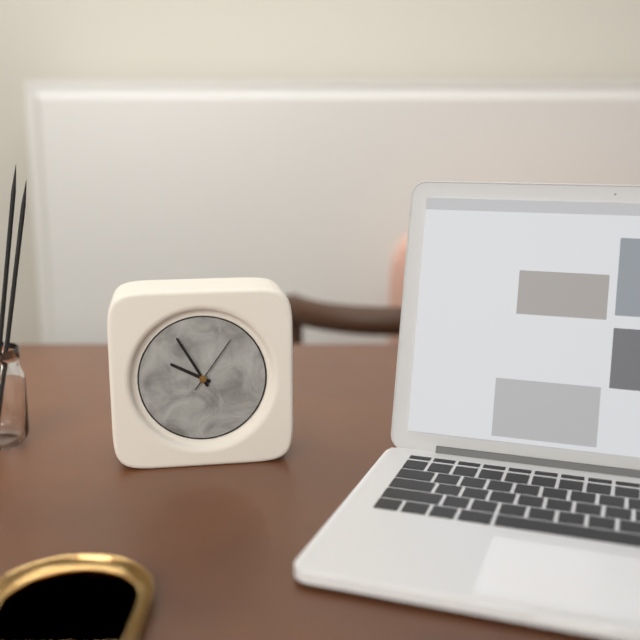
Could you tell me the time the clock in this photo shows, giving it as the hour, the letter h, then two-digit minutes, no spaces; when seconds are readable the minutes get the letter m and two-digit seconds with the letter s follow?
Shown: 9h55m06s
